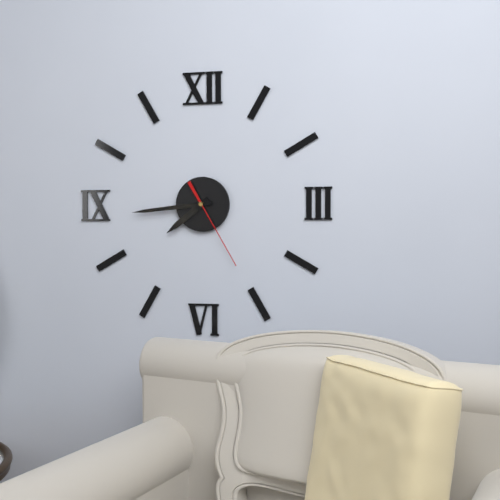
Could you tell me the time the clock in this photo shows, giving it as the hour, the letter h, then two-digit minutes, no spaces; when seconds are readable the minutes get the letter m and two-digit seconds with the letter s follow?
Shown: 7h44m25s
